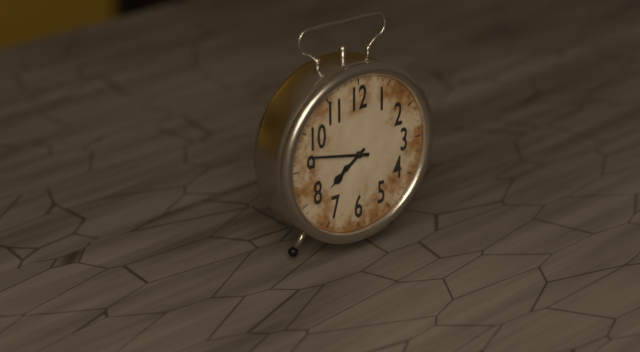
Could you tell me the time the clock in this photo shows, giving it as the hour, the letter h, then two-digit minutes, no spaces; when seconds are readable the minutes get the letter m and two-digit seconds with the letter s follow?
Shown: 7h47
